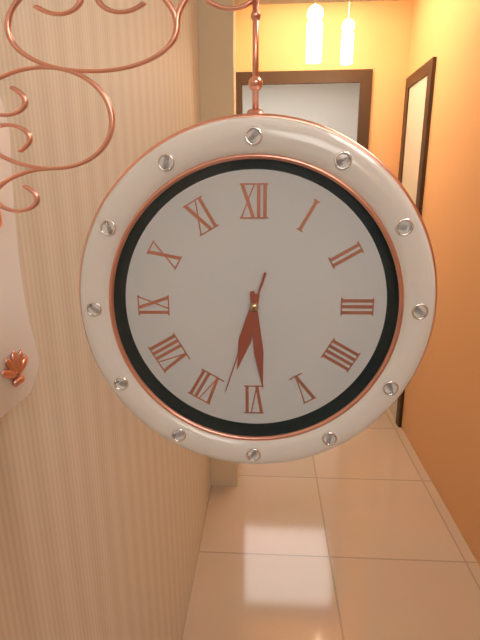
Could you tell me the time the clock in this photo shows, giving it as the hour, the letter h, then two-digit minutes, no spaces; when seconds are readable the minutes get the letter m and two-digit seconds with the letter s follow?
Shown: 6h29m33s
